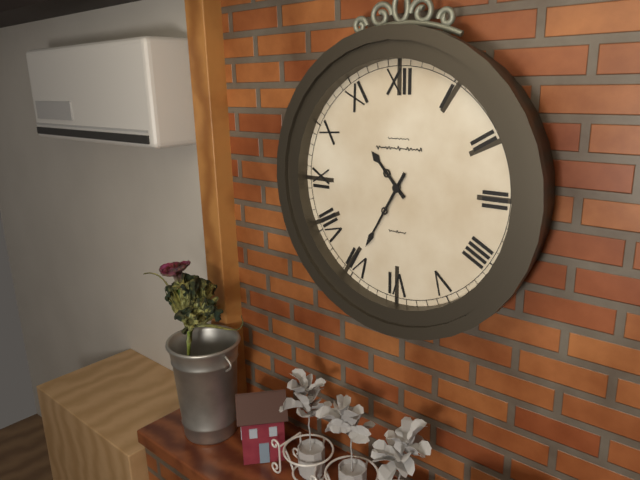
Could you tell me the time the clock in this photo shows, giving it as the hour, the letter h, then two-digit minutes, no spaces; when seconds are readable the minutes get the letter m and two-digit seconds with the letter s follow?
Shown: 10h35
